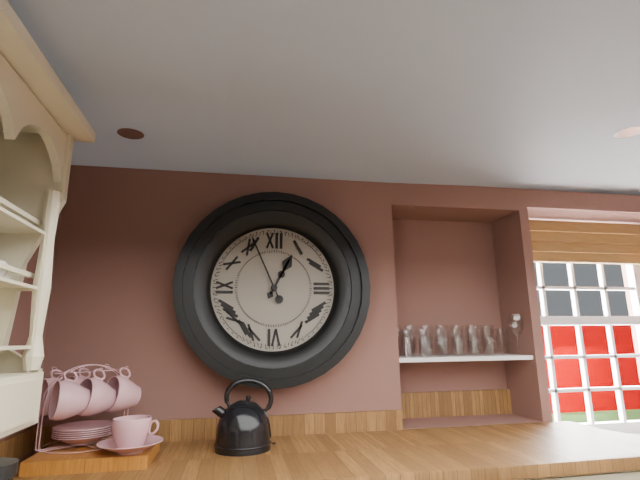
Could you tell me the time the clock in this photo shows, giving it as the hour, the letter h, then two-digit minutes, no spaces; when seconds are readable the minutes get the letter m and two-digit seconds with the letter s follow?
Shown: 12h56
